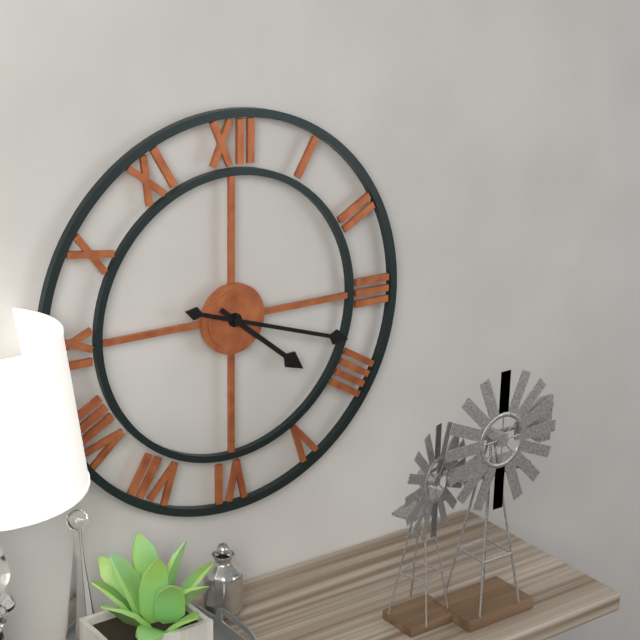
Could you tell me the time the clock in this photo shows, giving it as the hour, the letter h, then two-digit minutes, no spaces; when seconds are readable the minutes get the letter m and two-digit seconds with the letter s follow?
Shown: 4h18
